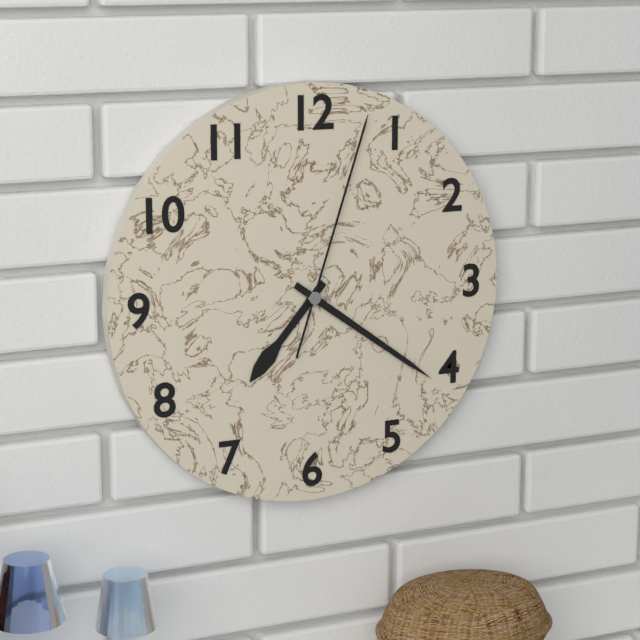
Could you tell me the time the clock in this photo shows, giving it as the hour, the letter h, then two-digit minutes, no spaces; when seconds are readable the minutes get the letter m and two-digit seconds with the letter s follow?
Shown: 7h21m03s
